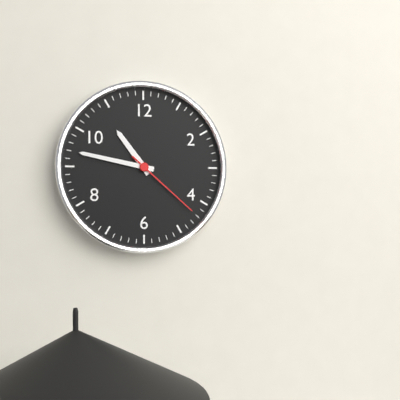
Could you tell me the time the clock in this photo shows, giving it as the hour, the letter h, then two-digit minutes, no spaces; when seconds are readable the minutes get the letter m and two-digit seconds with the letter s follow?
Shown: 10h47m22s
